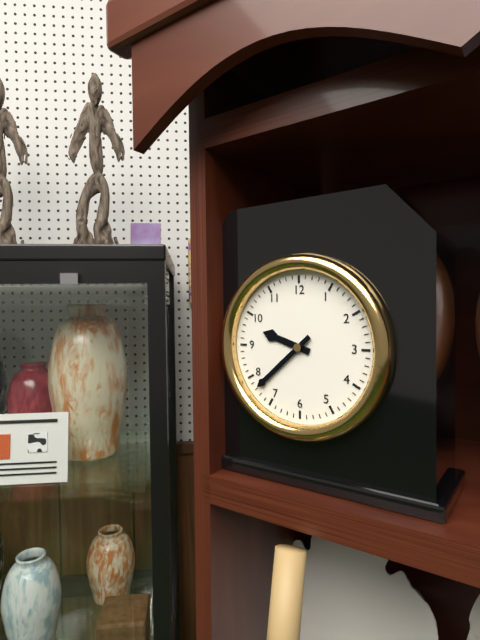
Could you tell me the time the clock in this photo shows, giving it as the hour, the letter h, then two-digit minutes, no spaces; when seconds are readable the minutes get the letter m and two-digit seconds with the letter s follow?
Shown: 9h38
